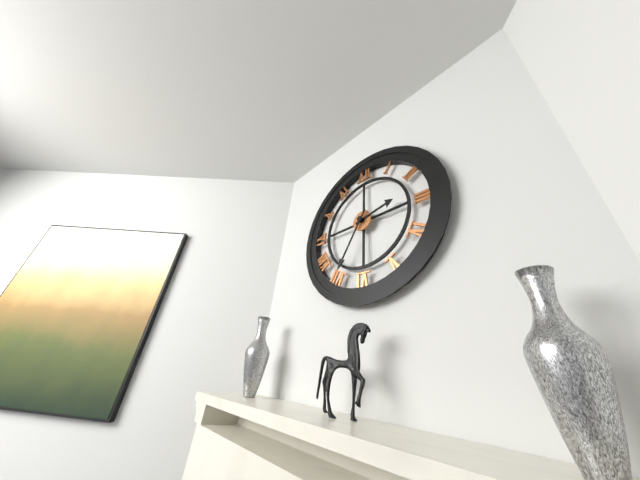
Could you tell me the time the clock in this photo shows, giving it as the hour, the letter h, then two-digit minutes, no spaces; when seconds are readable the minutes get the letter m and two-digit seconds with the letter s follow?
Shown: 2h35
